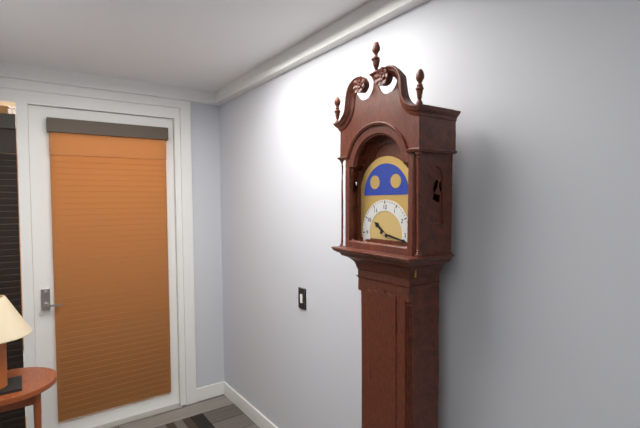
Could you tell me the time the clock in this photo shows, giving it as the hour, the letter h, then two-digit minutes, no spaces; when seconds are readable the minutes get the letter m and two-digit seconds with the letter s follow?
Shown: 10h17
